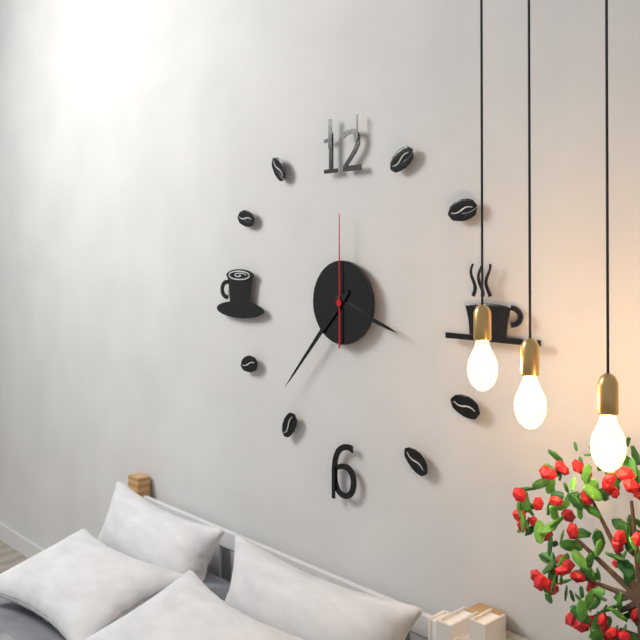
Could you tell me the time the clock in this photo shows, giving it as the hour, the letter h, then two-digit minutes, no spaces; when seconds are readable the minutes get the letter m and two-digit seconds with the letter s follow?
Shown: 3h37m00s
